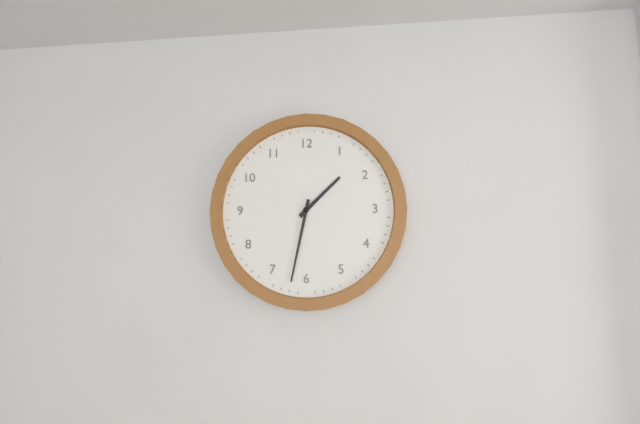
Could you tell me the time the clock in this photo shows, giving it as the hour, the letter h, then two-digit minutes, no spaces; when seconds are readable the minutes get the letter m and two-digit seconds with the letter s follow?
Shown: 1h32
